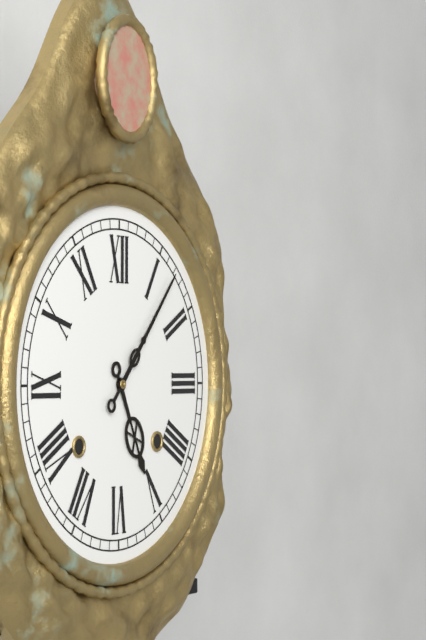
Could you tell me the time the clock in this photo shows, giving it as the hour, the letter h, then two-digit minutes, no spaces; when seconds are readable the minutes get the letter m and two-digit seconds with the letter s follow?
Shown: 5h07
